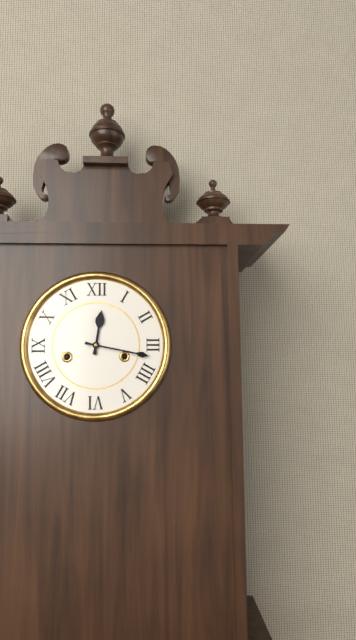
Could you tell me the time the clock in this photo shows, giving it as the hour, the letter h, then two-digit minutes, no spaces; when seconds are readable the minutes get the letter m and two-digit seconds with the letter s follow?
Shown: 12h17
